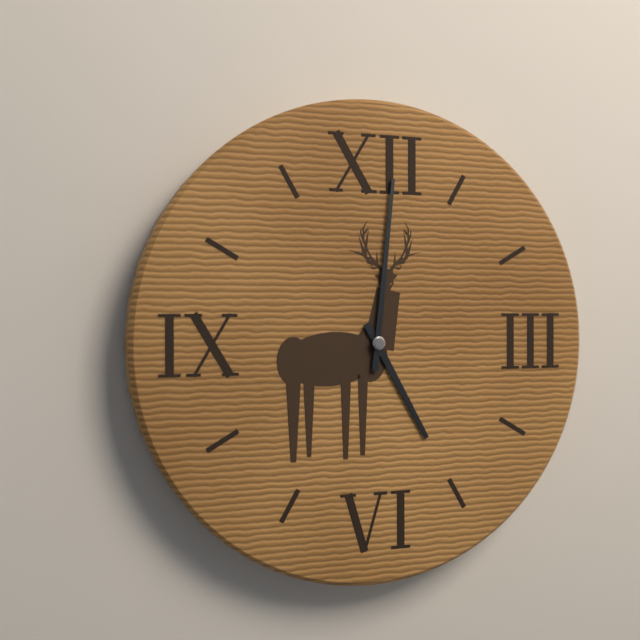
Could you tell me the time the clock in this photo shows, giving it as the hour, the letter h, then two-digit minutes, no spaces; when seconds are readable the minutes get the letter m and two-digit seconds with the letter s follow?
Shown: 5h01
